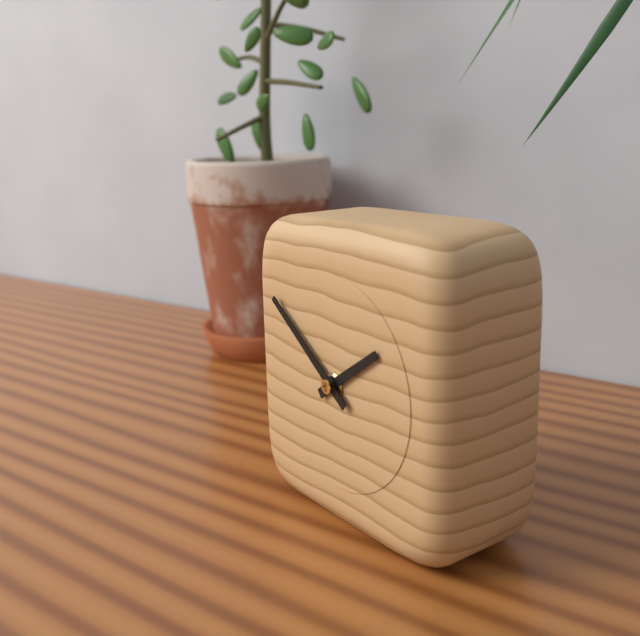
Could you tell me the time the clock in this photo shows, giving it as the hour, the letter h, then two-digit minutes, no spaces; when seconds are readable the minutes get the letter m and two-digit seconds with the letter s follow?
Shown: 1h51
